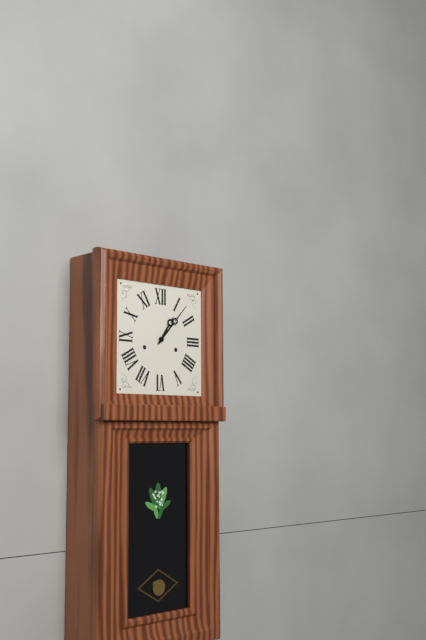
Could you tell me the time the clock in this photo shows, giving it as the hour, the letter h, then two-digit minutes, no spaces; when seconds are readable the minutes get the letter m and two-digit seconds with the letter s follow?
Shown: 1h07
